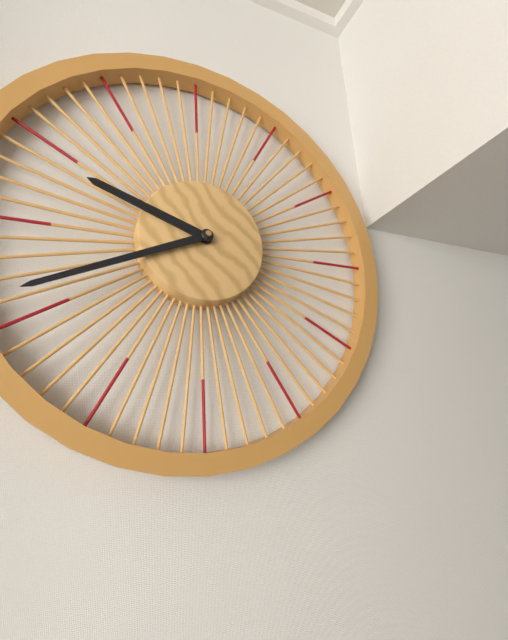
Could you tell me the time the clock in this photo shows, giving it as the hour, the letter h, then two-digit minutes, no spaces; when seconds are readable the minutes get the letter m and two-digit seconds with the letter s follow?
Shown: 9h41
